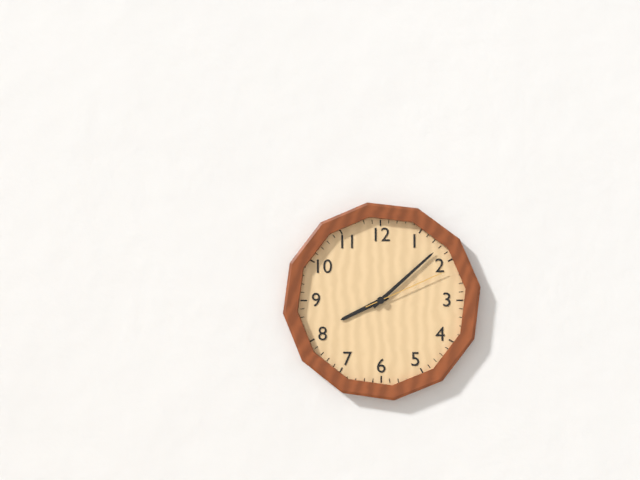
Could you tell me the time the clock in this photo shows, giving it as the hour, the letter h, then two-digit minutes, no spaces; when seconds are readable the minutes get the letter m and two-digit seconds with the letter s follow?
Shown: 8h08m11s
